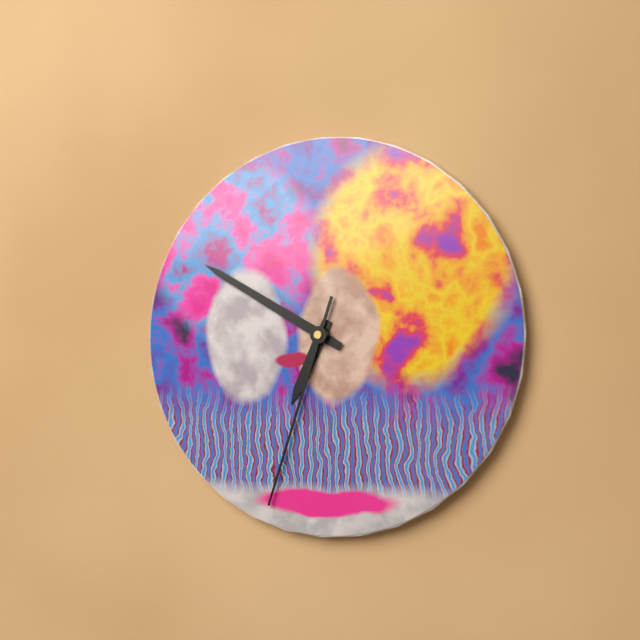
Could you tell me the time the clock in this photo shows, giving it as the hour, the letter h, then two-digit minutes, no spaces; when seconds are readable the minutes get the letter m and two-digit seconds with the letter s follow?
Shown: 6h50m33s
